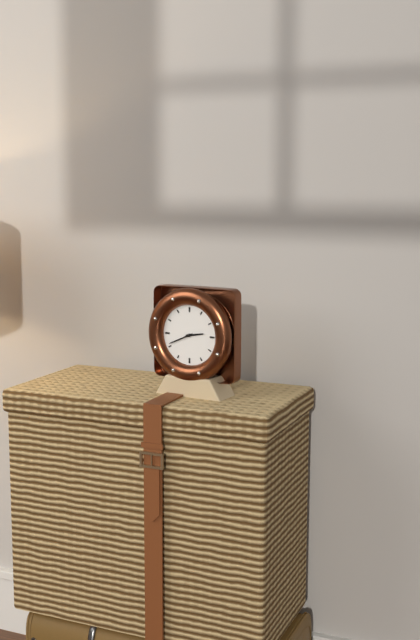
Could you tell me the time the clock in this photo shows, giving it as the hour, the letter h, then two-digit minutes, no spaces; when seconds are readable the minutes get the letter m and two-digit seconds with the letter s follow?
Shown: 2h41
